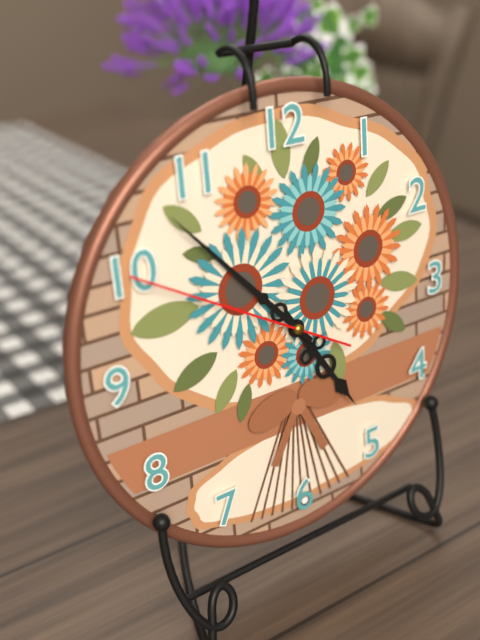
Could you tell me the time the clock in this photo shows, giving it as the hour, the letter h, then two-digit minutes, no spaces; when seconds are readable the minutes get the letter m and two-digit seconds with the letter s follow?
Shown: 4h53m50s
